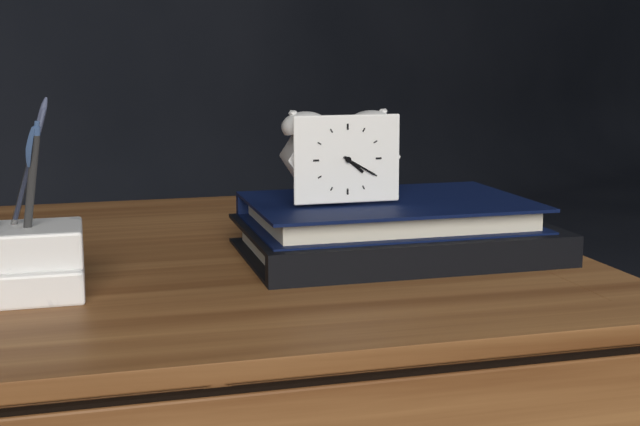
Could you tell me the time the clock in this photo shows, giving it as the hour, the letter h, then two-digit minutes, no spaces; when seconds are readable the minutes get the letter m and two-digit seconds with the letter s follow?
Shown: 4h20
